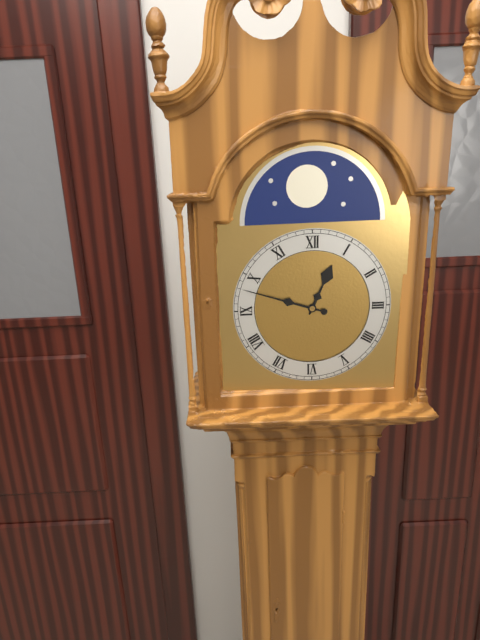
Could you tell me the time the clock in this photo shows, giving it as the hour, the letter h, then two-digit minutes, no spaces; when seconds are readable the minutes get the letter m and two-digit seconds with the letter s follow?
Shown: 12h48
